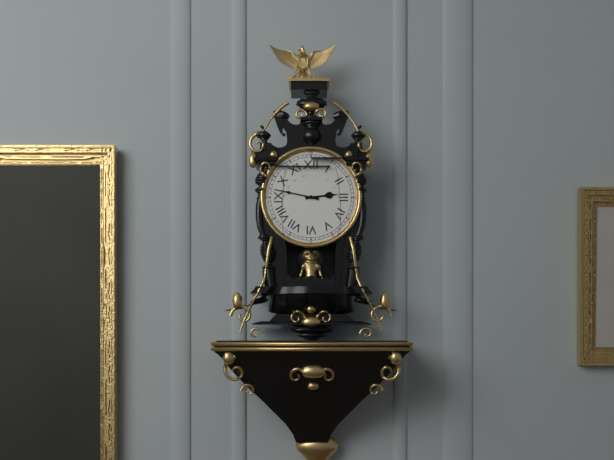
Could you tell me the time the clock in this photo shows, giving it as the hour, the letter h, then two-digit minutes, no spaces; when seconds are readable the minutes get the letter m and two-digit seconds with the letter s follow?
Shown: 2h47
